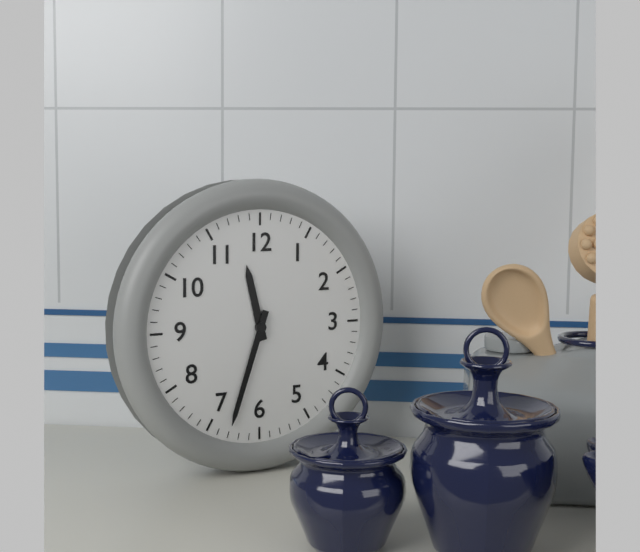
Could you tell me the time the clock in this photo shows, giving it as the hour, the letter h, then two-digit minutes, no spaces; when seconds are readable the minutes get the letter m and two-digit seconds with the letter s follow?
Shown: 11h33
